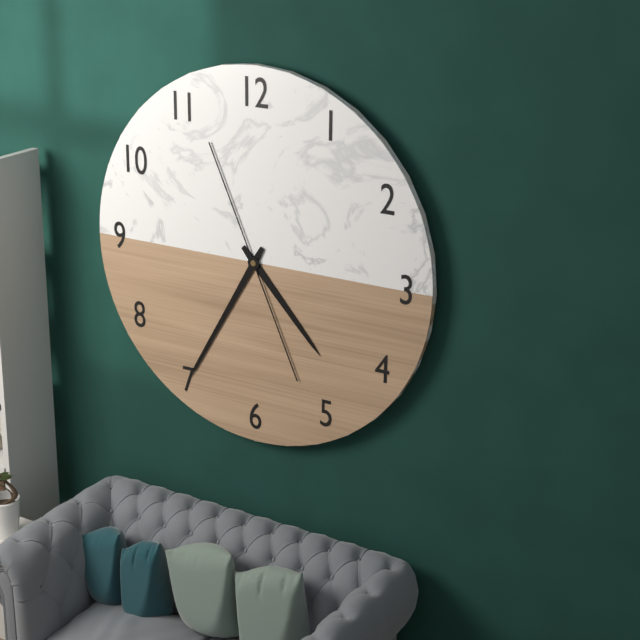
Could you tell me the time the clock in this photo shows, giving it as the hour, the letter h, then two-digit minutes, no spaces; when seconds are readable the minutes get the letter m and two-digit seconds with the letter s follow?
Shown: 4h35
